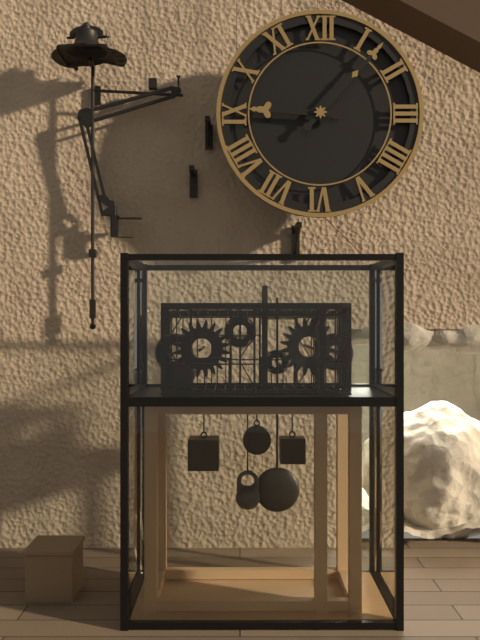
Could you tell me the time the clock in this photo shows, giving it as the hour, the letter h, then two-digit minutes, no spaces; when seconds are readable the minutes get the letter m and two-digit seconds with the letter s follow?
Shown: 9h07
